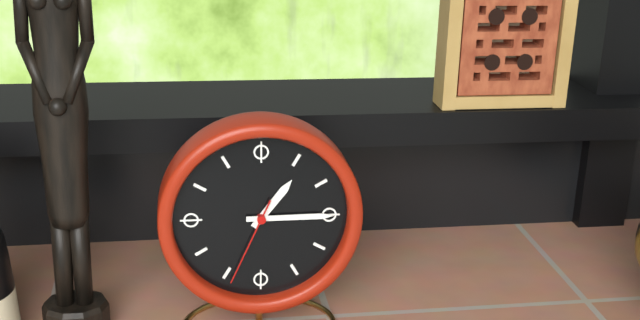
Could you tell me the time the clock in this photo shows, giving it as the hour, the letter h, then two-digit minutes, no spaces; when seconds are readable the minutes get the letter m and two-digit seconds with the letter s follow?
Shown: 1h15m34s
